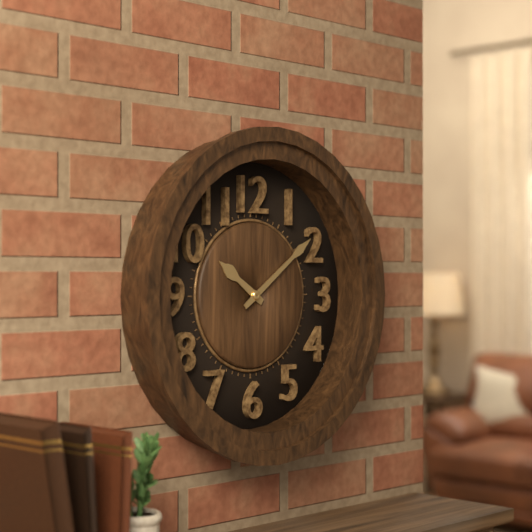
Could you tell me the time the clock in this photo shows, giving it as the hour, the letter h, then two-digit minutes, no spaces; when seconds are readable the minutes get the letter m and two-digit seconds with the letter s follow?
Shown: 10h09
